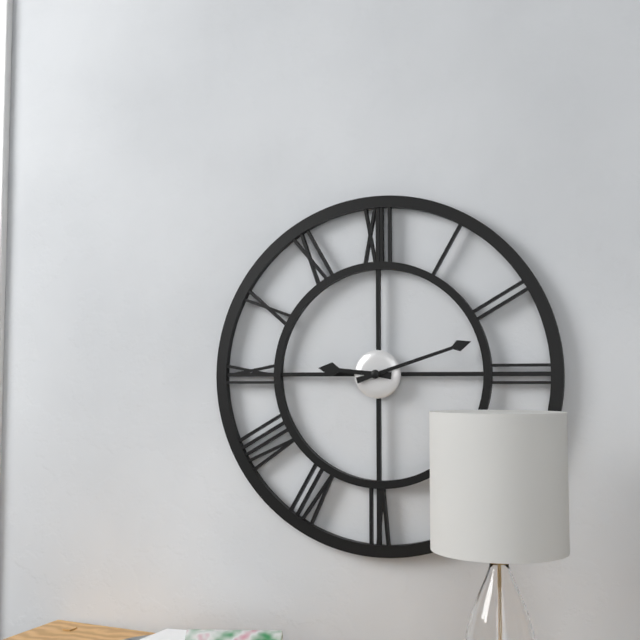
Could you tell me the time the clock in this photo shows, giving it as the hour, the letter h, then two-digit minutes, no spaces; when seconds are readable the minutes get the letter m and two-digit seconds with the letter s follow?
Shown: 9h12
